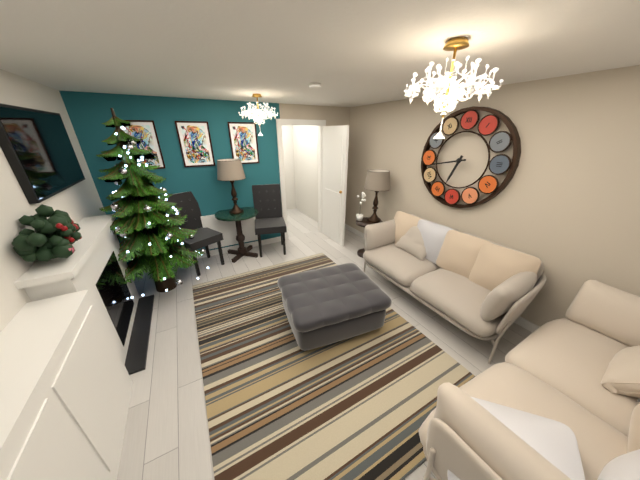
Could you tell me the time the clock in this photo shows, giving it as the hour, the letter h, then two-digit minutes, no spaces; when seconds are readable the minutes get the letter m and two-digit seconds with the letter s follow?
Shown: 6h43
